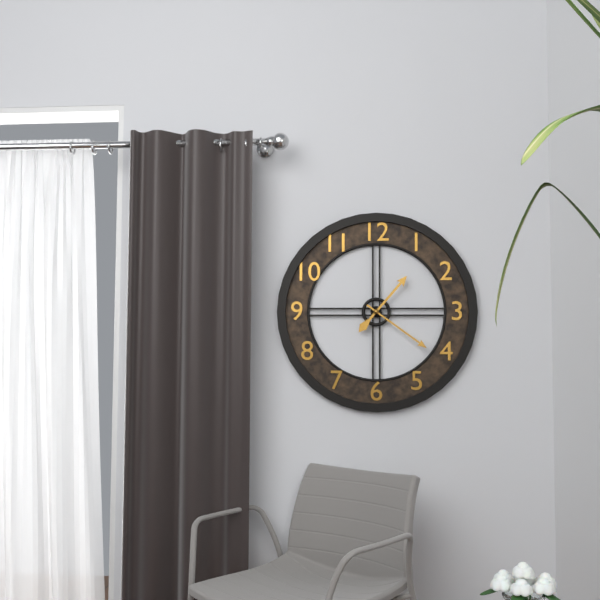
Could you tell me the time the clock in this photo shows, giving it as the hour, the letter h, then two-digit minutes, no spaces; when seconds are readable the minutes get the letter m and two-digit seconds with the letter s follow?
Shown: 1h21
